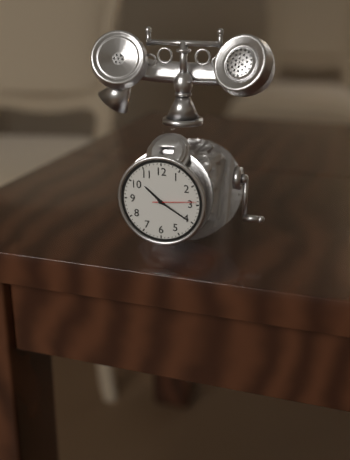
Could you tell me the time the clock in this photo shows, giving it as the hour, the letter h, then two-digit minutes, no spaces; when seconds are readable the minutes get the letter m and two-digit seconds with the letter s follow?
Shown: 10h20
